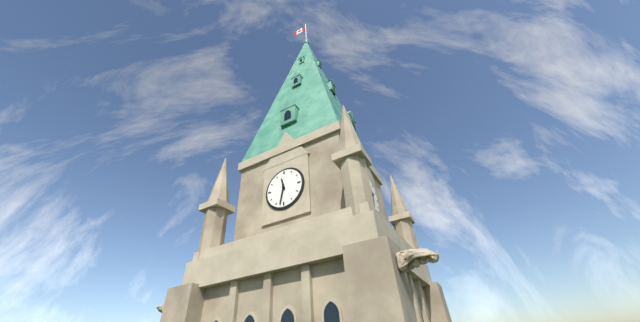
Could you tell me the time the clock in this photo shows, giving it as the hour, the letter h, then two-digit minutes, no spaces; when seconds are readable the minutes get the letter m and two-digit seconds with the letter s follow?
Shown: 11h32
